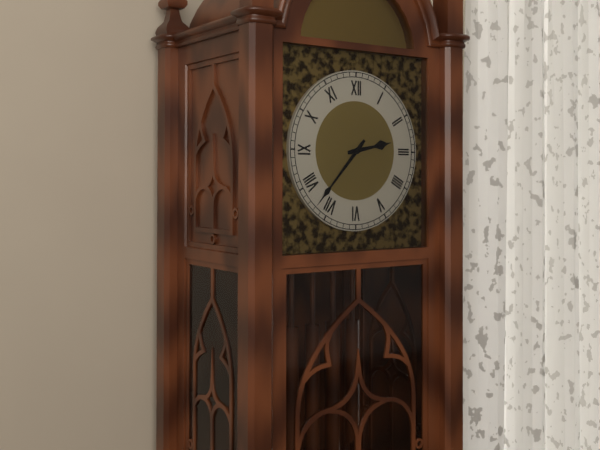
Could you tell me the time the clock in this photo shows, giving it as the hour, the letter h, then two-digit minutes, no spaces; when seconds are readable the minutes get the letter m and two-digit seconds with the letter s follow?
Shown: 2h37
